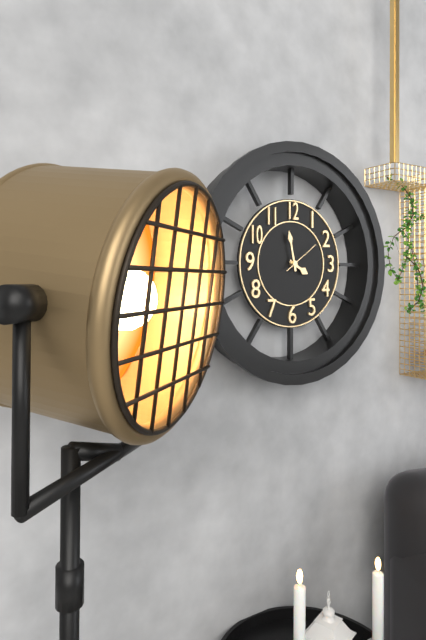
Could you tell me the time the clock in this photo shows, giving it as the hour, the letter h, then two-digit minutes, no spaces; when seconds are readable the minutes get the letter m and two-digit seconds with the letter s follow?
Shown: 3h58
